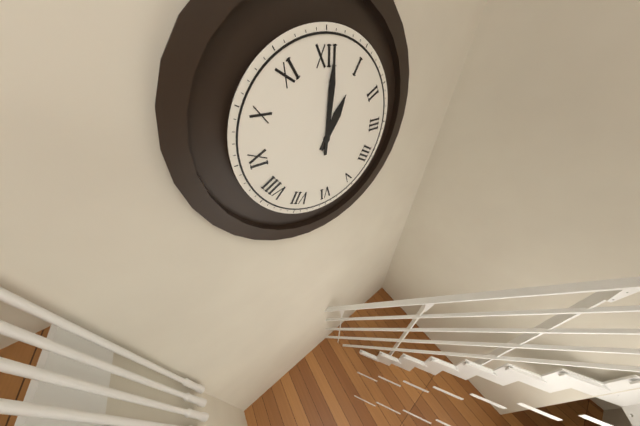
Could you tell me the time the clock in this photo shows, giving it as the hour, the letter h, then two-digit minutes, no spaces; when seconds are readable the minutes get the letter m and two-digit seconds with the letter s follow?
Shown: 1h01
